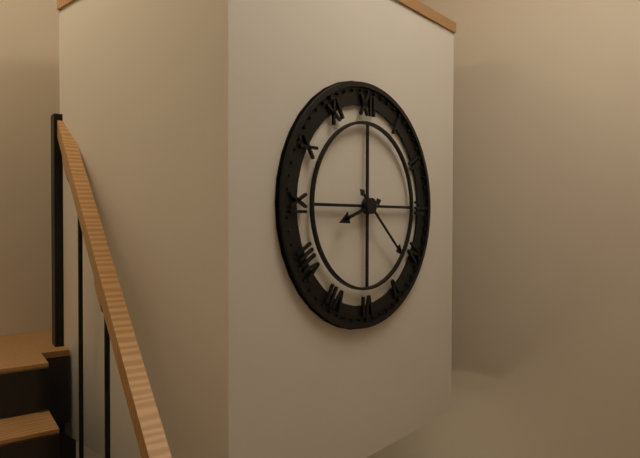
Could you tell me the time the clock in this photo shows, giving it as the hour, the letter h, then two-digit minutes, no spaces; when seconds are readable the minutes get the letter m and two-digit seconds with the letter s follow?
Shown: 8h22
